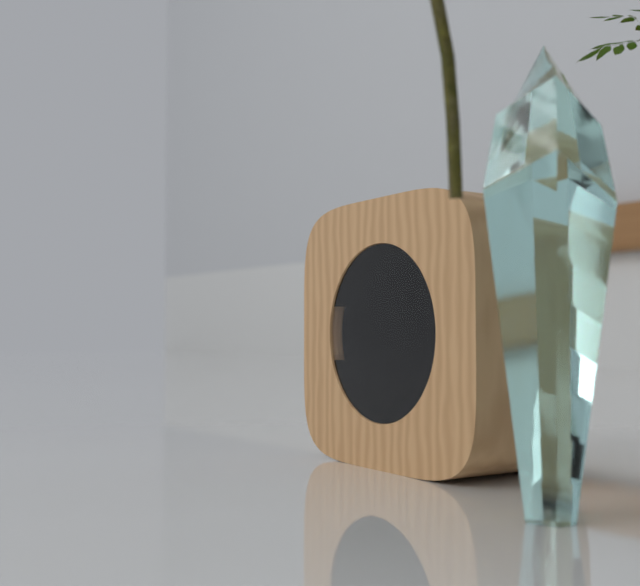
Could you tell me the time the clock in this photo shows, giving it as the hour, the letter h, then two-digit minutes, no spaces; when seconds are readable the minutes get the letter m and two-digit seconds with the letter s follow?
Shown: 3h07m28s
